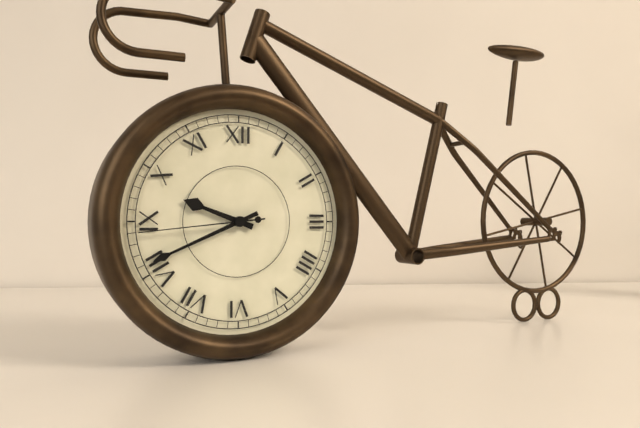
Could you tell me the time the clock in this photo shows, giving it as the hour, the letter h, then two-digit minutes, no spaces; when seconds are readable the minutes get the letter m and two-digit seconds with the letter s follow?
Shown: 9h41m44s
